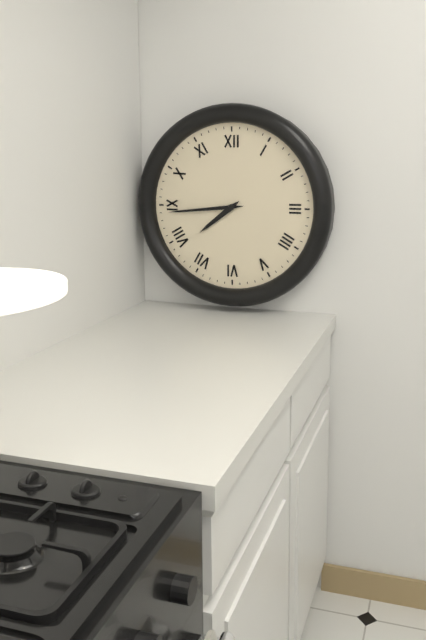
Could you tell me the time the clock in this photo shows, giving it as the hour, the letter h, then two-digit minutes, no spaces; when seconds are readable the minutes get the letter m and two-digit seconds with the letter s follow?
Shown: 7h44
